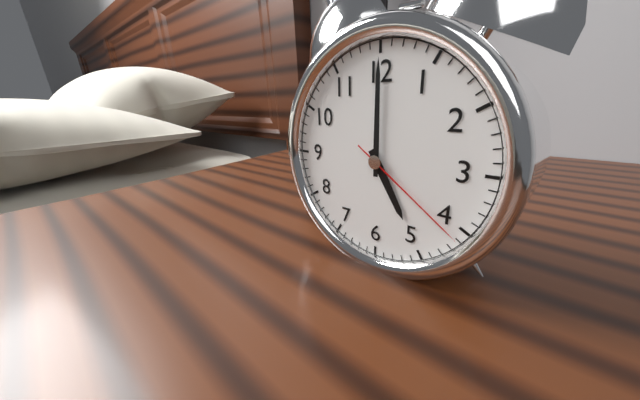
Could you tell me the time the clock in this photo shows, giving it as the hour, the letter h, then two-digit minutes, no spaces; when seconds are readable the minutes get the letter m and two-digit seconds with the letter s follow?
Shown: 5h00m21s
